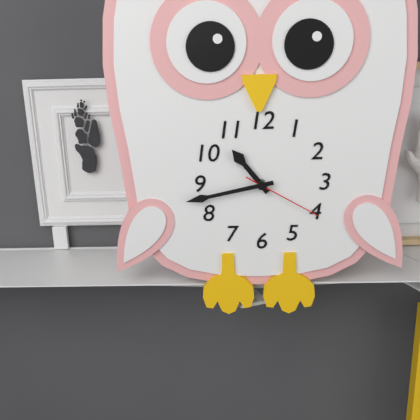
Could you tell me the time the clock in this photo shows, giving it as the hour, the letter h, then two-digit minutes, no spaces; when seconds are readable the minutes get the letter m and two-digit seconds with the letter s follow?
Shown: 10h43m20s
